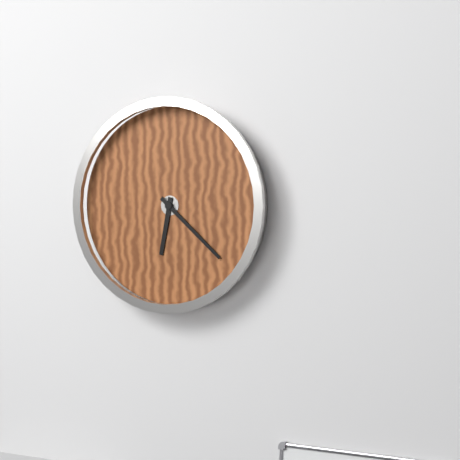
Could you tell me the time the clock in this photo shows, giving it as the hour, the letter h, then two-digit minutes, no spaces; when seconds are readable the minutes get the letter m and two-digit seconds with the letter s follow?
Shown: 6h22
